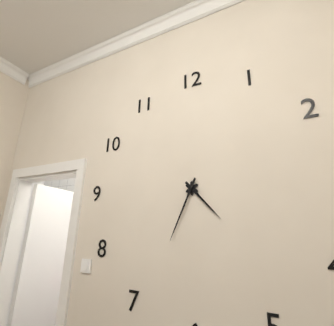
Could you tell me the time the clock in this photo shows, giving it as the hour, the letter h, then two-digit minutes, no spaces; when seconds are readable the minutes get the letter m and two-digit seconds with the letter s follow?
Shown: 4h34
